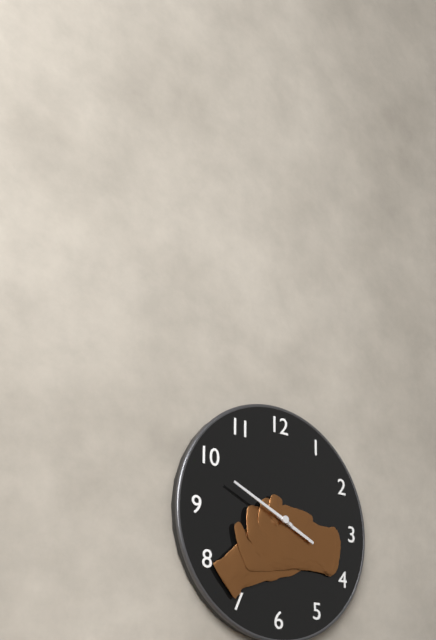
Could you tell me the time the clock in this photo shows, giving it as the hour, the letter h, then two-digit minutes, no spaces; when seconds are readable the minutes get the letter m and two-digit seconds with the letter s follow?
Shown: 3h49
